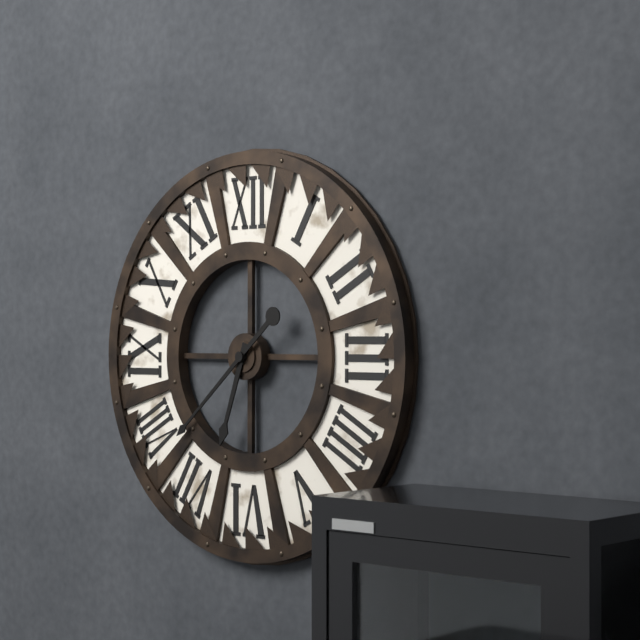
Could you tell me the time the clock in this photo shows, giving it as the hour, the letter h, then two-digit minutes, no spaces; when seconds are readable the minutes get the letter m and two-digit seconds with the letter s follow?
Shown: 6h38
